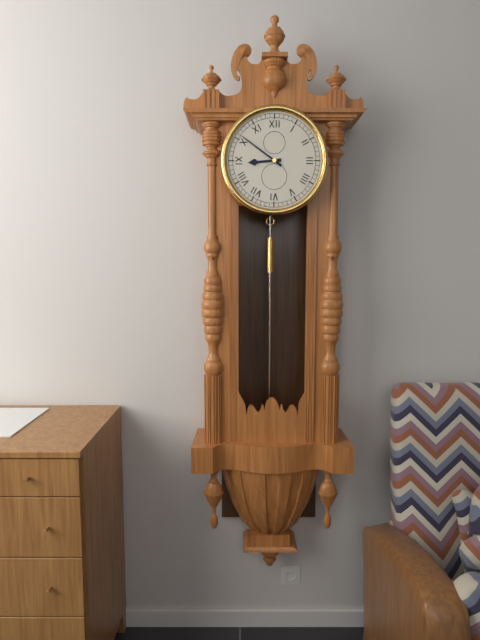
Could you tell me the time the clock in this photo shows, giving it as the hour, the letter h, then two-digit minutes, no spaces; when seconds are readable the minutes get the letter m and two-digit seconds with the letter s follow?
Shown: 8h51
